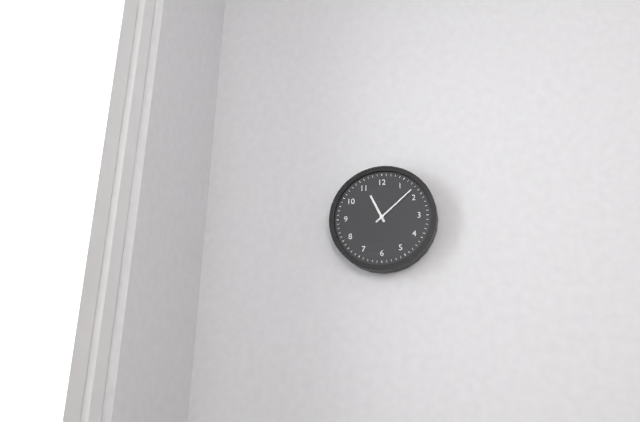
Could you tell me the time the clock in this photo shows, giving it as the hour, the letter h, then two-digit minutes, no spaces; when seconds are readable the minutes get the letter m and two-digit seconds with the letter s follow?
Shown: 11h08
